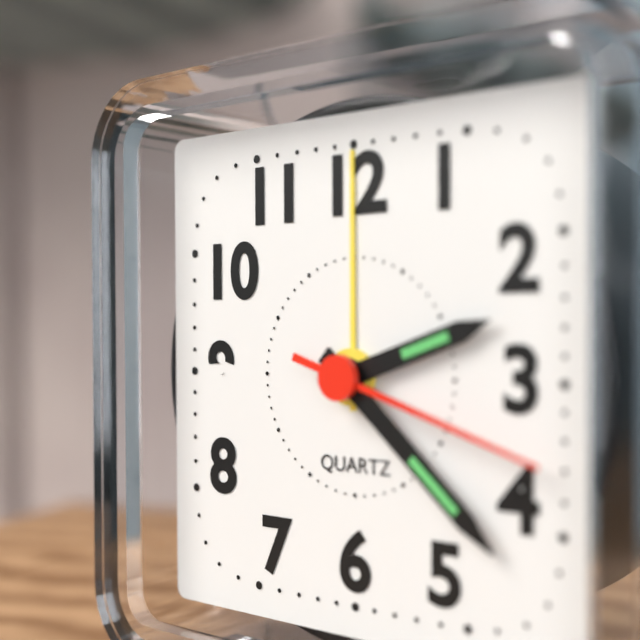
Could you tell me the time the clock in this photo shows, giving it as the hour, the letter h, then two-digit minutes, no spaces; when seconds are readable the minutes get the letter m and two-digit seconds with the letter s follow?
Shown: 2h22m18s
